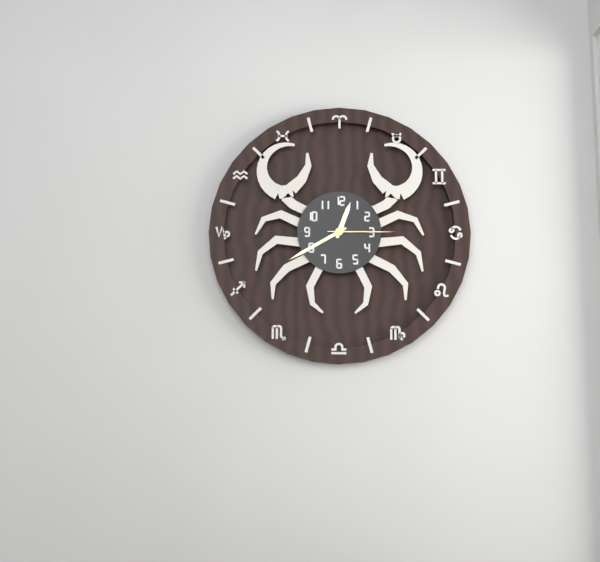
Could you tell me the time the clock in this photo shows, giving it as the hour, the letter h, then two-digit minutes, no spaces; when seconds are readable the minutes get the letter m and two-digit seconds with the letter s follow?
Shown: 12h40m15s
